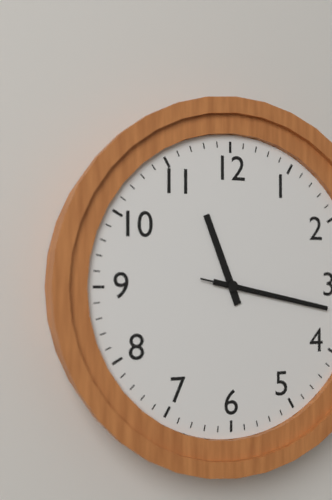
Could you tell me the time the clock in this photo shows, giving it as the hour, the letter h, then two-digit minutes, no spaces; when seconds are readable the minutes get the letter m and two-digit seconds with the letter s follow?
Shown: 11h17m17s
